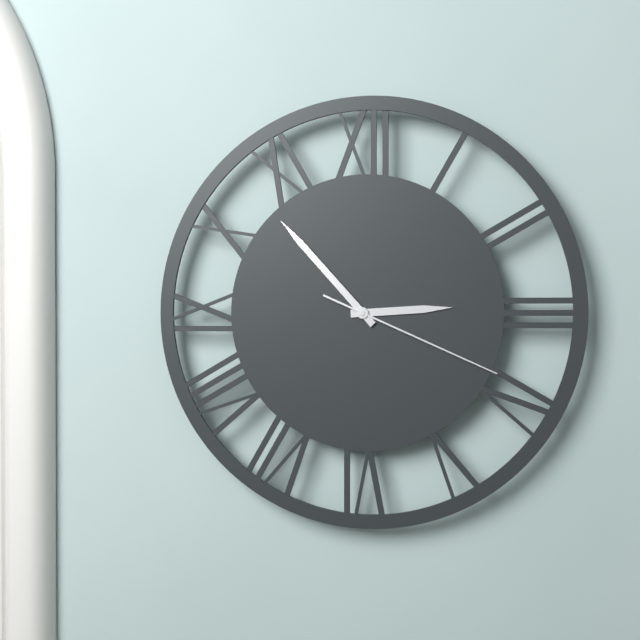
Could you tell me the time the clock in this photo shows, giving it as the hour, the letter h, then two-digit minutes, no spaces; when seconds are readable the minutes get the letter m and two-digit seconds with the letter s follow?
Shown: 2h53m19s
